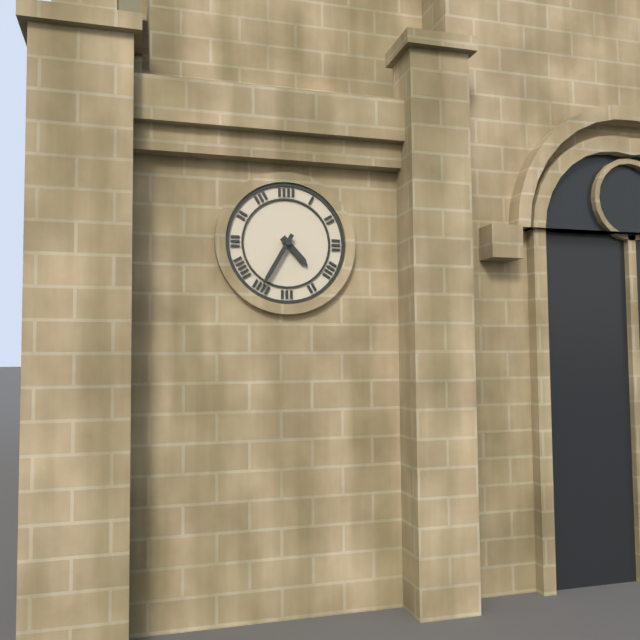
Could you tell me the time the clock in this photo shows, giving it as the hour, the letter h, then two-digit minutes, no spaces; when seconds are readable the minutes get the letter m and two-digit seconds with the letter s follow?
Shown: 4h35
